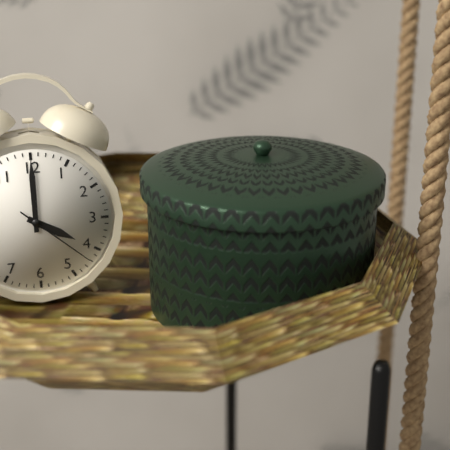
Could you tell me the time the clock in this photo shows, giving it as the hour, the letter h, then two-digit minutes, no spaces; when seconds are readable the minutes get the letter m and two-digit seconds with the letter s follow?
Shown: 4h00m22s
